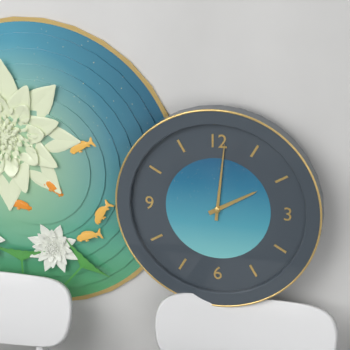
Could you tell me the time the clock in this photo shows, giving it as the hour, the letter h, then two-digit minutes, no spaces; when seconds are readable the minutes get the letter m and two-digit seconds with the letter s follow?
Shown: 2h01
